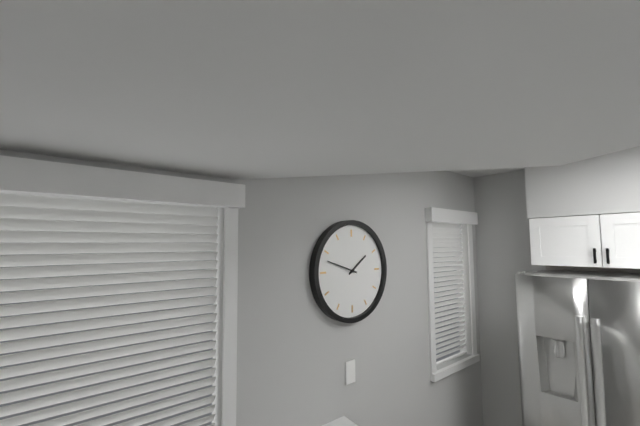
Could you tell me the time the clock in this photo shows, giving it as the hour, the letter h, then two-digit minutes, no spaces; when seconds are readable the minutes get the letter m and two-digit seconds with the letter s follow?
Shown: 1h48
